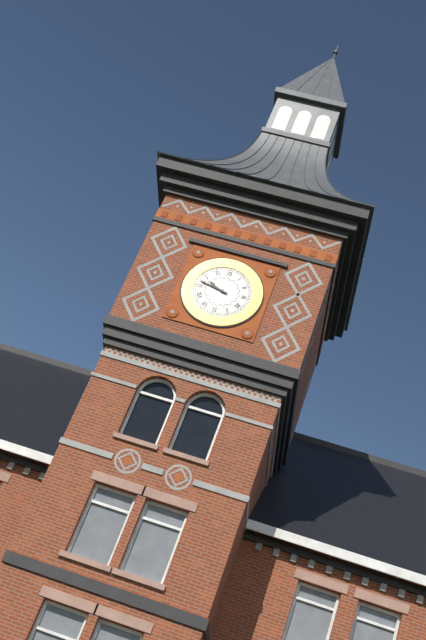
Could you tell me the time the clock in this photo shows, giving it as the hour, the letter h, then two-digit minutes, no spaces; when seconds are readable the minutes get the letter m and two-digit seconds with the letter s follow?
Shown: 9h47
